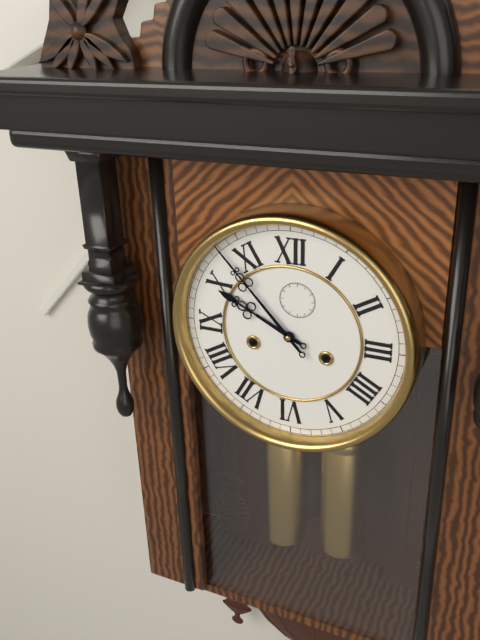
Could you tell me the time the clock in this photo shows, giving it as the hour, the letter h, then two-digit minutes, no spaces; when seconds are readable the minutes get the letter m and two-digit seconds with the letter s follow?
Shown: 9h53
